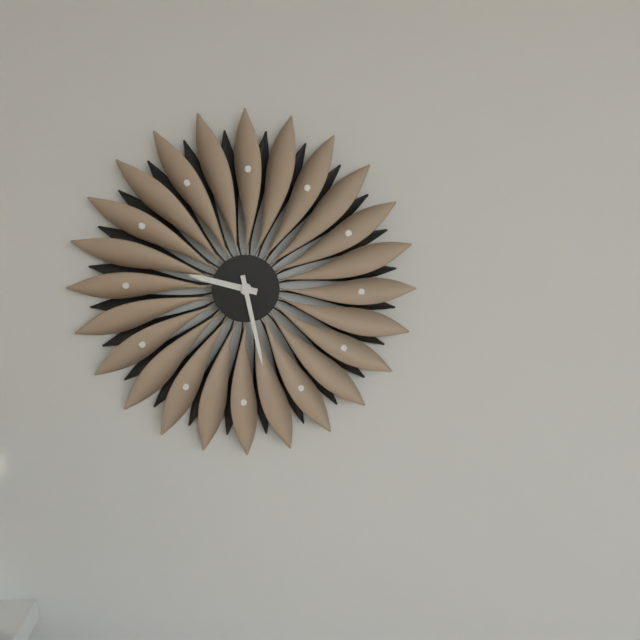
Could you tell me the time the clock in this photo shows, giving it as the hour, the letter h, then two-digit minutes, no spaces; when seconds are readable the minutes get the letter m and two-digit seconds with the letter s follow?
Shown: 9h28
